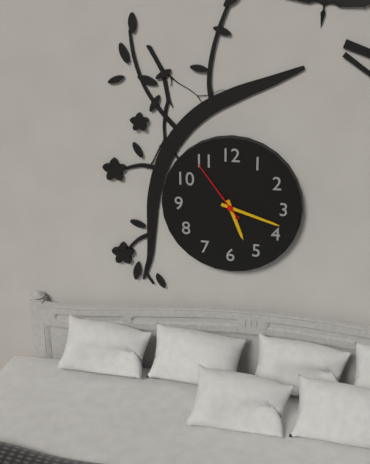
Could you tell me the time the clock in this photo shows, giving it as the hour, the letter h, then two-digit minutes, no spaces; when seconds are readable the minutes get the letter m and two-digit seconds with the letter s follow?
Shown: 5h18m54s
